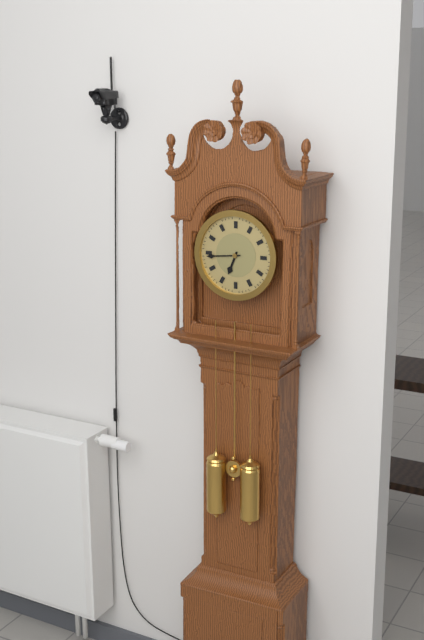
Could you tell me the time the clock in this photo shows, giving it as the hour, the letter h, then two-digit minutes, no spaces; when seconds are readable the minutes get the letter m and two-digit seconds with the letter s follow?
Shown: 6h44
